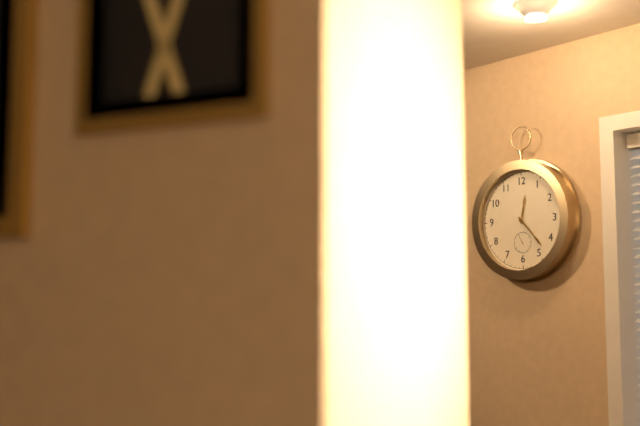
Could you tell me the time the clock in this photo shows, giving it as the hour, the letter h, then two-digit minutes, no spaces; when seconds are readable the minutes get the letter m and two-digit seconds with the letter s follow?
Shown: 12h23
